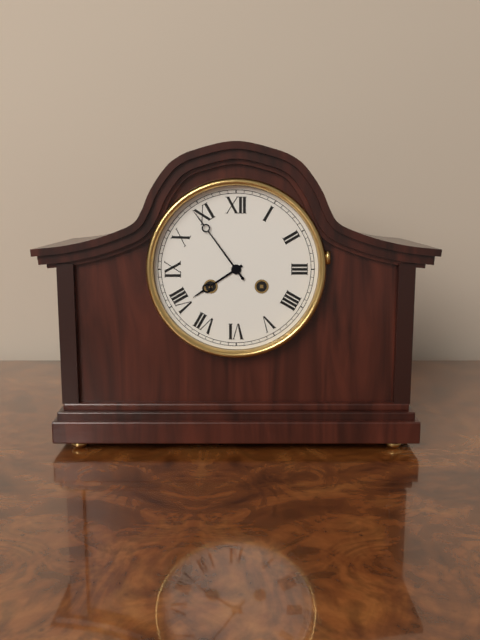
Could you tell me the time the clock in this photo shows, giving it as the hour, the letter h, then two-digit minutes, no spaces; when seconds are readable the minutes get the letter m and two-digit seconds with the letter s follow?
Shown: 7h54
